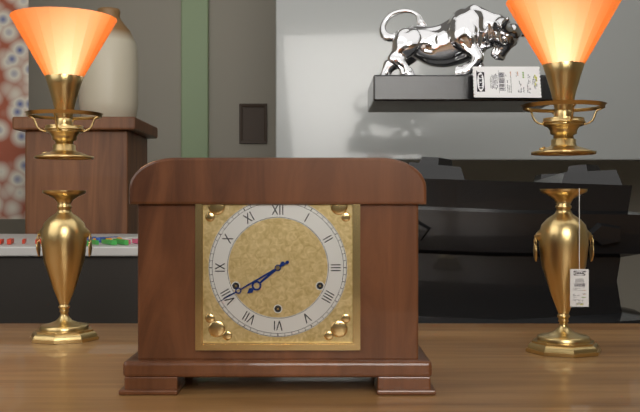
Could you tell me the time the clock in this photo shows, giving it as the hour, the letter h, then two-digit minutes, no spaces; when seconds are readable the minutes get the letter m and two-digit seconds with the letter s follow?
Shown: 7h40
